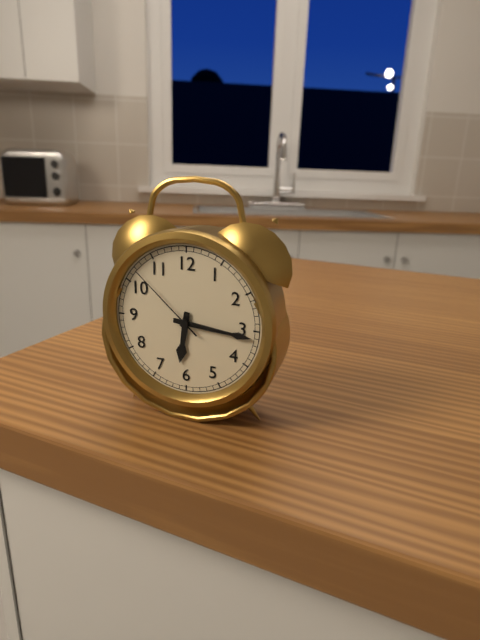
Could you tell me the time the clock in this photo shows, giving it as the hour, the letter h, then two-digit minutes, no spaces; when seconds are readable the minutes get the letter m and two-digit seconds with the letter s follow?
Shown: 6h16m52s
